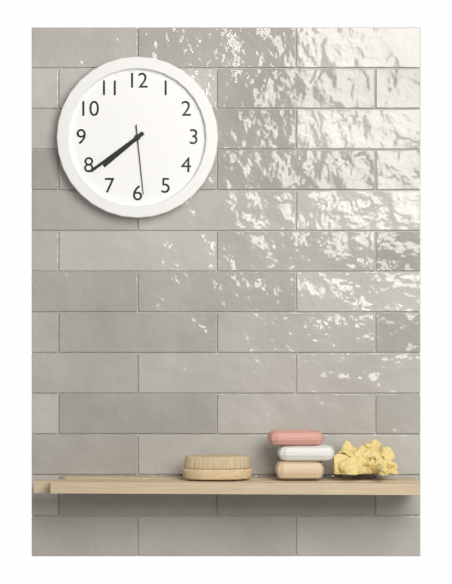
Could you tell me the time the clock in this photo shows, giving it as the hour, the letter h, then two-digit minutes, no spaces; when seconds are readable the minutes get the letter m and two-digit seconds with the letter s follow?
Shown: 7h39m29s
